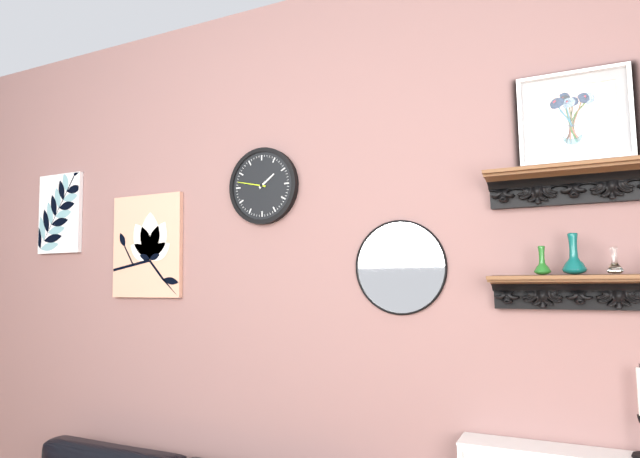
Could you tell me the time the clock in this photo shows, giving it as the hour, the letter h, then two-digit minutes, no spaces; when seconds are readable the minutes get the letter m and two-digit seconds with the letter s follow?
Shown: 1h47
